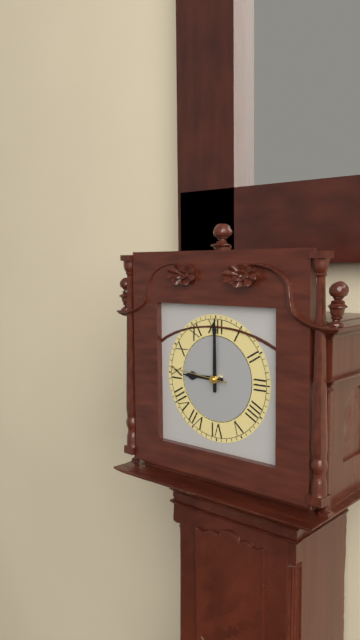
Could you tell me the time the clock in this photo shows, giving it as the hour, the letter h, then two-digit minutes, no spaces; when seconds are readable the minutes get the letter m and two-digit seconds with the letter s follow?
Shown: 9h00m46s
